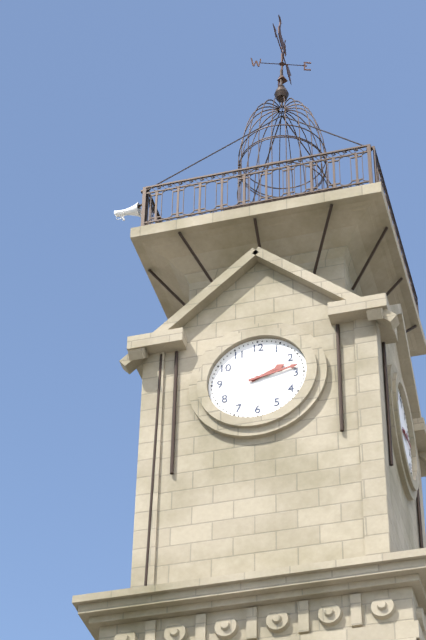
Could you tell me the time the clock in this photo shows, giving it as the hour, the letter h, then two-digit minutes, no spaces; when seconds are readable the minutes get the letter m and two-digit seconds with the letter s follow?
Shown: 2h13
